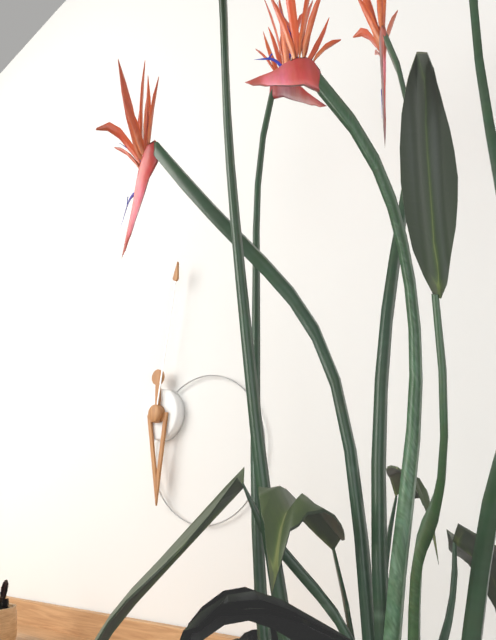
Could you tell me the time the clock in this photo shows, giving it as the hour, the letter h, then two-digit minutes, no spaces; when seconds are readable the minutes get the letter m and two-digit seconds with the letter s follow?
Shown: 6h02
